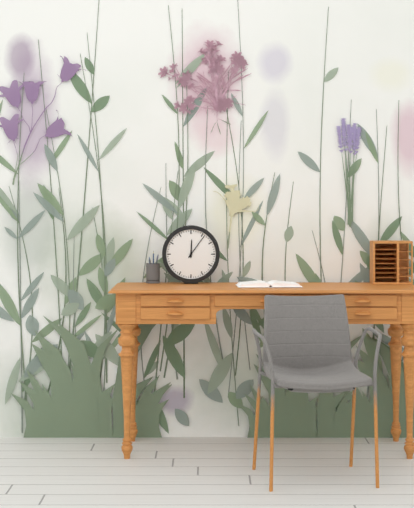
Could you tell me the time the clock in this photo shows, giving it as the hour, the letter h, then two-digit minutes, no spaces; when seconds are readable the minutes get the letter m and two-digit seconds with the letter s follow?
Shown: 12h06
